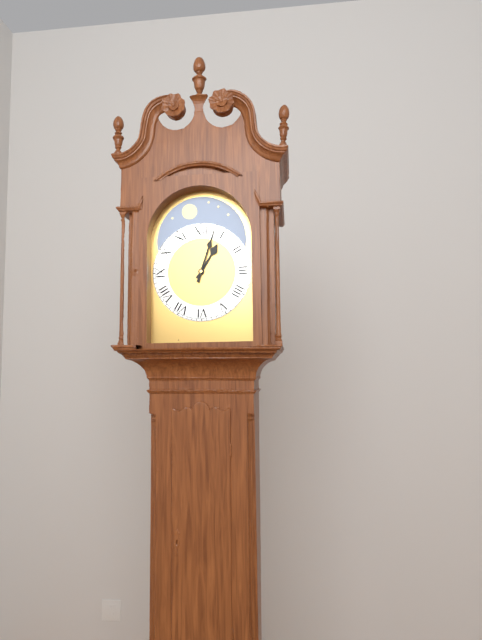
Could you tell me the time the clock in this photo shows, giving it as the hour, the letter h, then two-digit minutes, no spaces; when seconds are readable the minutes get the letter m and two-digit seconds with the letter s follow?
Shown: 1h03
